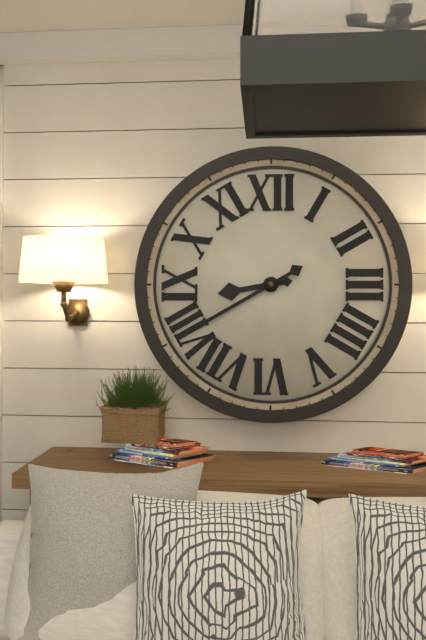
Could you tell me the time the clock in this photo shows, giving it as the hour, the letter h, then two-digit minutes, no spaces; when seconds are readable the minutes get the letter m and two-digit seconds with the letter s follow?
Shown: 8h40
